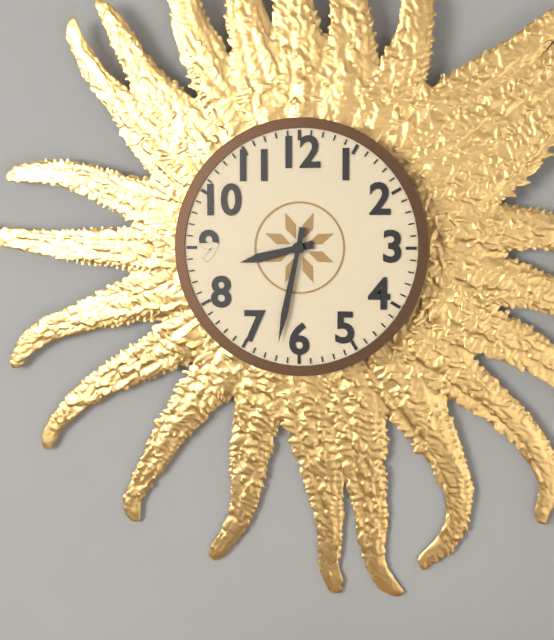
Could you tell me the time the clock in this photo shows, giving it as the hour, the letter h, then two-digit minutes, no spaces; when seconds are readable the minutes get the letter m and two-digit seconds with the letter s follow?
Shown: 8h32
